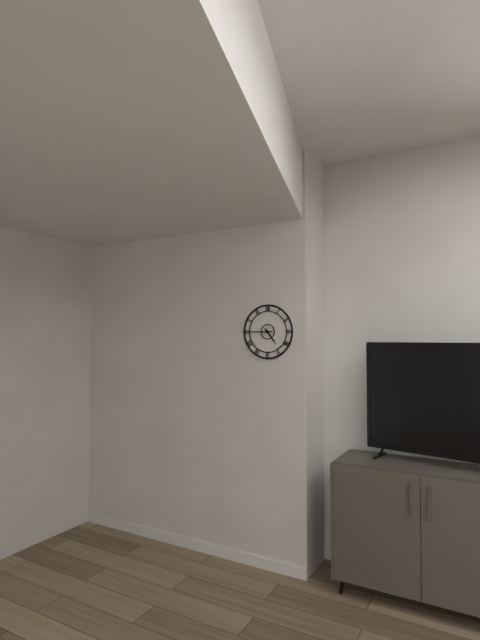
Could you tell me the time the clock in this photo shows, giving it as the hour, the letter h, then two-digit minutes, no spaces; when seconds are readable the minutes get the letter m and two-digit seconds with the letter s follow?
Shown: 4h45
